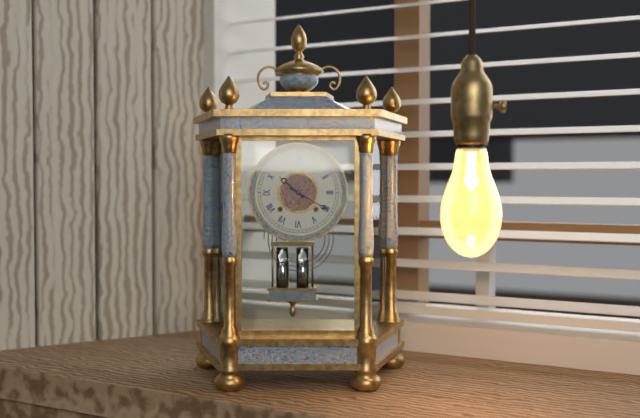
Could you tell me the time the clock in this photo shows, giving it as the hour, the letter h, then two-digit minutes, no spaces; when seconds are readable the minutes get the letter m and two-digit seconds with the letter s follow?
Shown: 10h20
